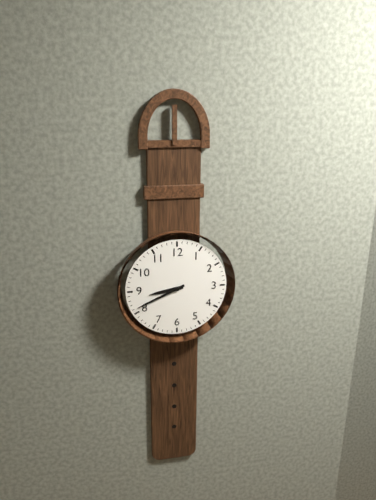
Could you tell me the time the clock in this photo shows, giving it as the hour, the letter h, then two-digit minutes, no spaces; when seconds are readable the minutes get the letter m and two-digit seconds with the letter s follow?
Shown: 8h41
